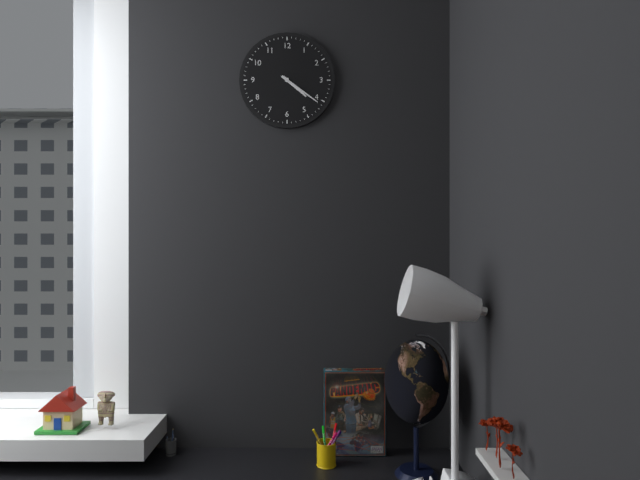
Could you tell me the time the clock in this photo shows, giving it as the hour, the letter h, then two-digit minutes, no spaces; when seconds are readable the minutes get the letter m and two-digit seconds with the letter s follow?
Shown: 4h21
